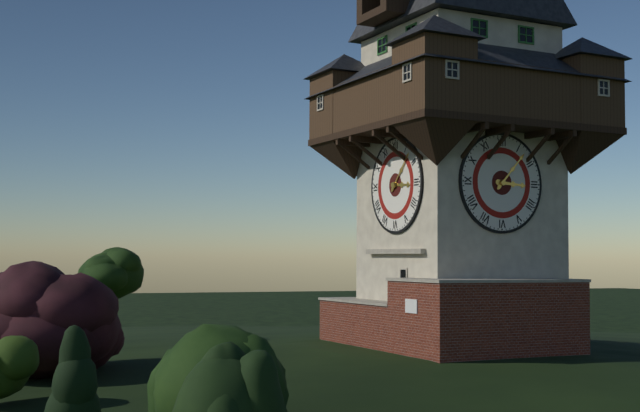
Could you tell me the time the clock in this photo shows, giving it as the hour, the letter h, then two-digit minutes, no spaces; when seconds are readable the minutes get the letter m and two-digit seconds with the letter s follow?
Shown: 3h07
